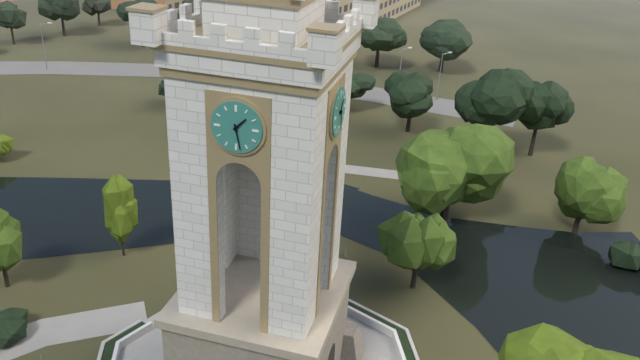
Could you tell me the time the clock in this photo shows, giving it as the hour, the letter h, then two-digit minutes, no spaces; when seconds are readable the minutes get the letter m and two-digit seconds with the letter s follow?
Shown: 1h28
